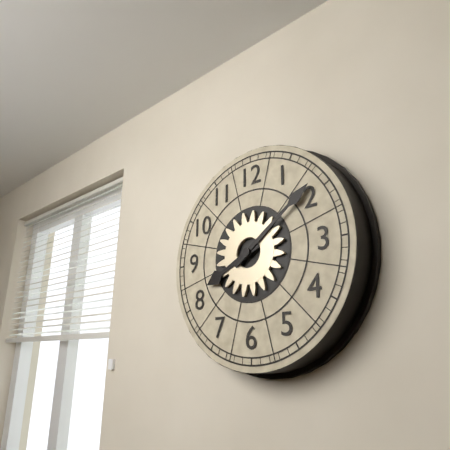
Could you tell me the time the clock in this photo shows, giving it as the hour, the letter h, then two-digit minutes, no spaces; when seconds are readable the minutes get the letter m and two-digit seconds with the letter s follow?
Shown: 8h09
